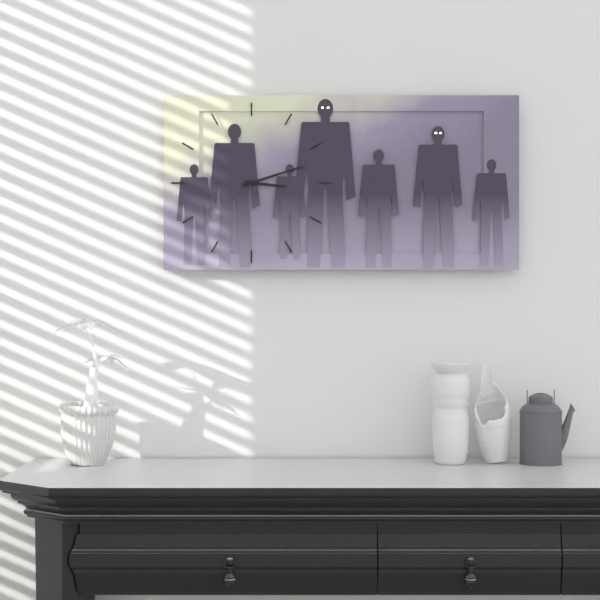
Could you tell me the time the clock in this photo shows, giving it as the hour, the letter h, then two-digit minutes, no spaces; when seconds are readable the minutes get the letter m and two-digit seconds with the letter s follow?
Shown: 3h12
